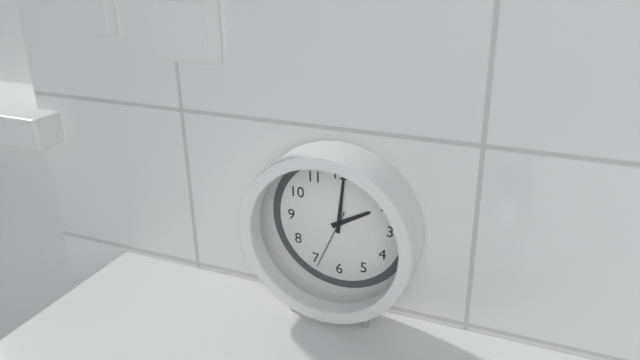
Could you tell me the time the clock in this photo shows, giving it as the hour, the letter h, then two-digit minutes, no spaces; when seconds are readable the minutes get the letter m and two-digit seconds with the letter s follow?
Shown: 2h01m34s
